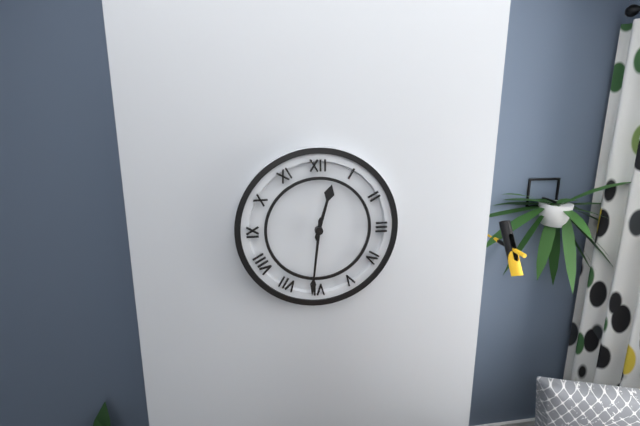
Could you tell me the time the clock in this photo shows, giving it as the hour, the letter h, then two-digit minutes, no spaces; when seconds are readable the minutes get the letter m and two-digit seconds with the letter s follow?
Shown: 12h31
